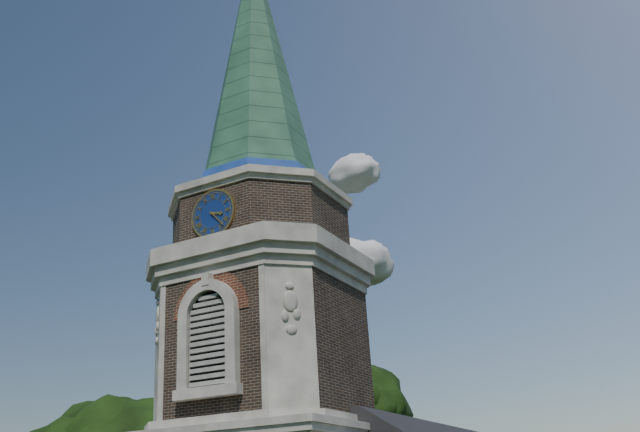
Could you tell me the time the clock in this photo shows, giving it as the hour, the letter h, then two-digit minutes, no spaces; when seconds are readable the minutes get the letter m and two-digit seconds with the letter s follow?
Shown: 3h23
